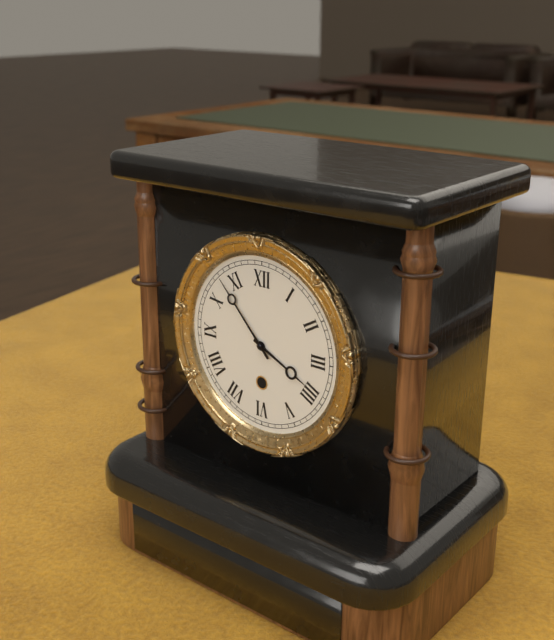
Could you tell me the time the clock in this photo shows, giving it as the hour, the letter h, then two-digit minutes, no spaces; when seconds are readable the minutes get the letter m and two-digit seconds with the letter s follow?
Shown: 3h53
